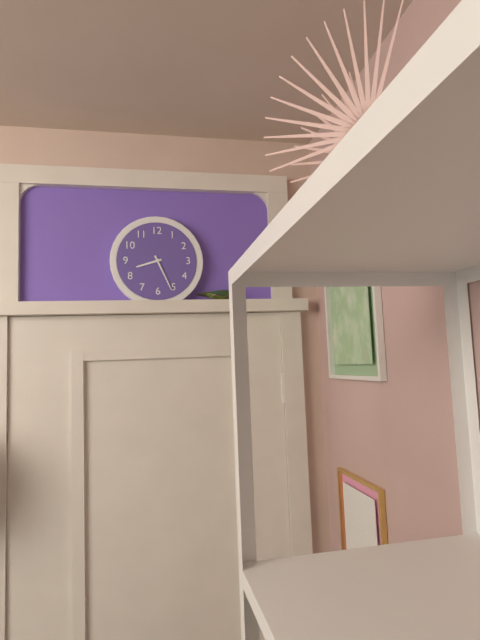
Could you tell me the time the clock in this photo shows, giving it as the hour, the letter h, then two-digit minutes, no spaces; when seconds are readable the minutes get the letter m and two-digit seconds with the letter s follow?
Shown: 8h26
